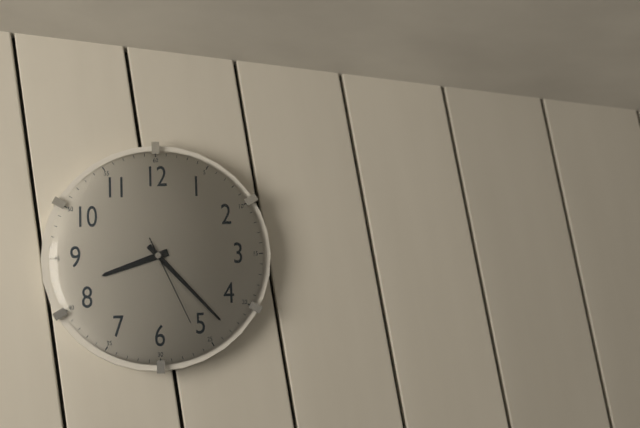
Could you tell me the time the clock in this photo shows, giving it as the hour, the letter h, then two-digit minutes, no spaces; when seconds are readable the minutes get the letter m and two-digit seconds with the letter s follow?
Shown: 8h23m26s
